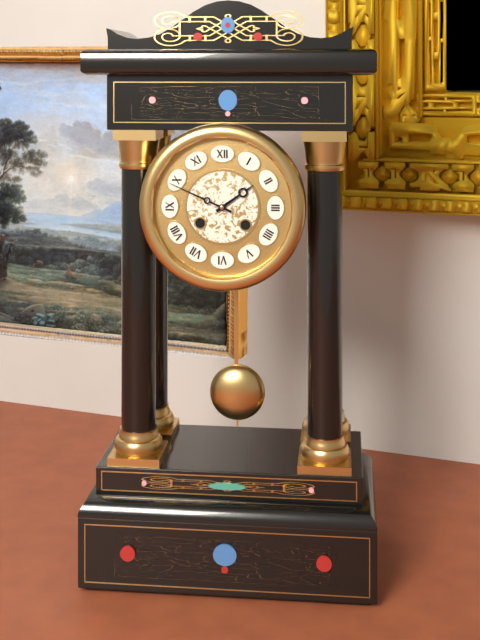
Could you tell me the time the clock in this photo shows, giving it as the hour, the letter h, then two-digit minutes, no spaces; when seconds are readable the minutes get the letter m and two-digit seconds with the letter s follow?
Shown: 1h49
